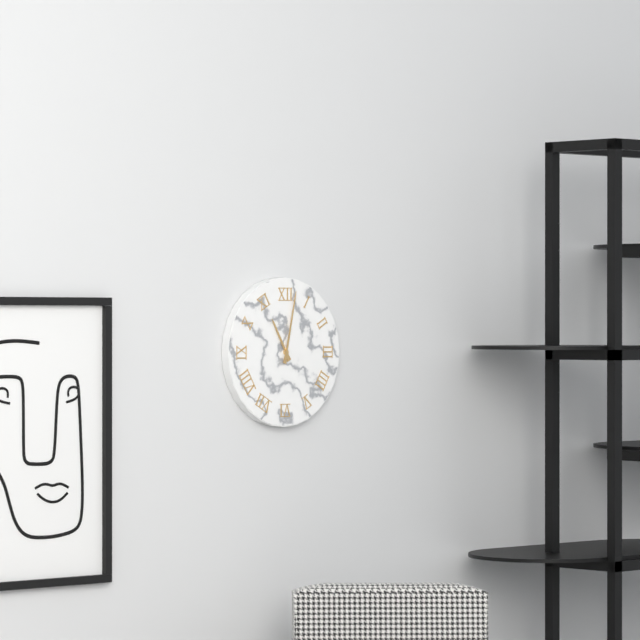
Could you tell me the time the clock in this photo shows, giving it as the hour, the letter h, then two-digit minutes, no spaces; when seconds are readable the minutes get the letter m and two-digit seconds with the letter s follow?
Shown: 11h02
